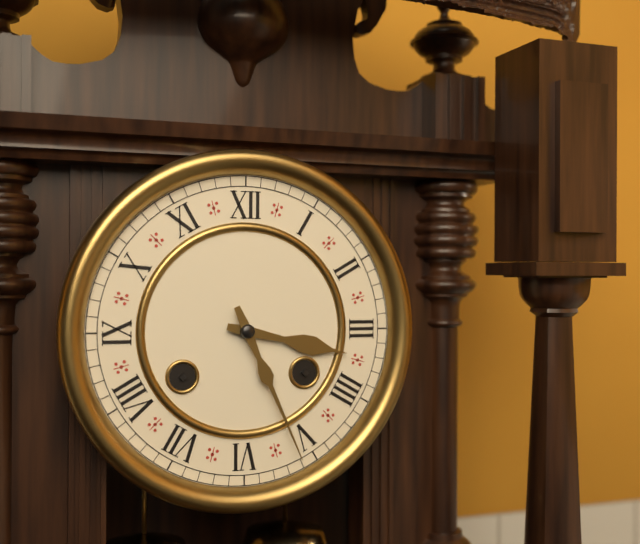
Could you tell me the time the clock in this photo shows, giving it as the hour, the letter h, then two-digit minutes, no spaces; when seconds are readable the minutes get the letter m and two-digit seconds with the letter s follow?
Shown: 3h26
